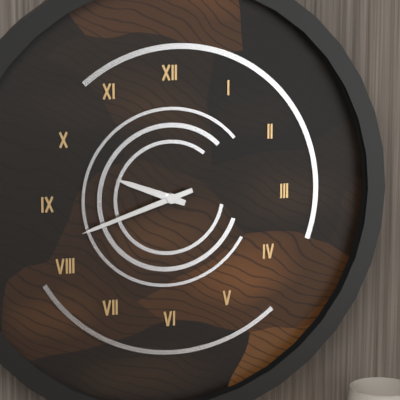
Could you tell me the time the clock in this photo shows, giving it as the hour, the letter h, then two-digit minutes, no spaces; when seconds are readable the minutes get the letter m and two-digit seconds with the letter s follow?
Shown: 9h42
